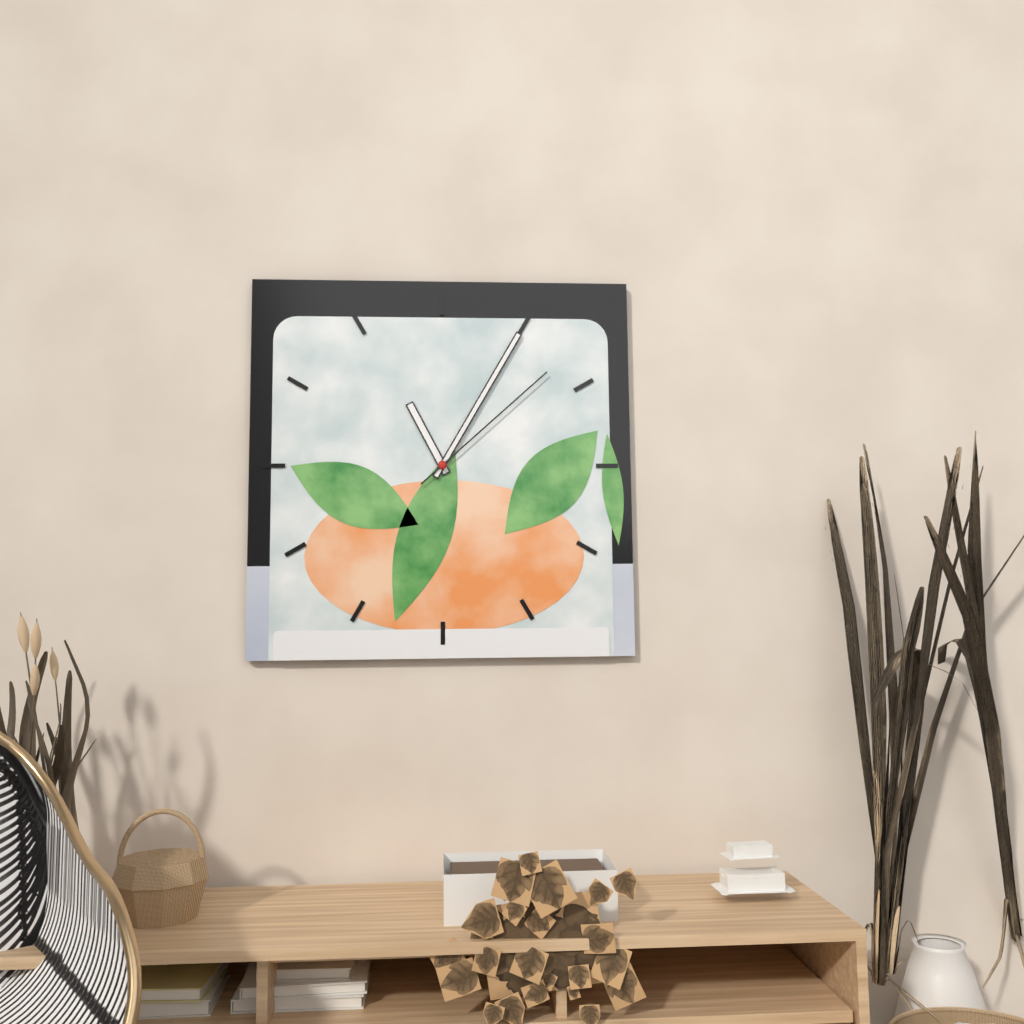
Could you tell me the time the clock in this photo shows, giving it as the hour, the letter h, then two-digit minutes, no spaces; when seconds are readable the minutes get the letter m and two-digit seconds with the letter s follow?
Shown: 11h05m08s
